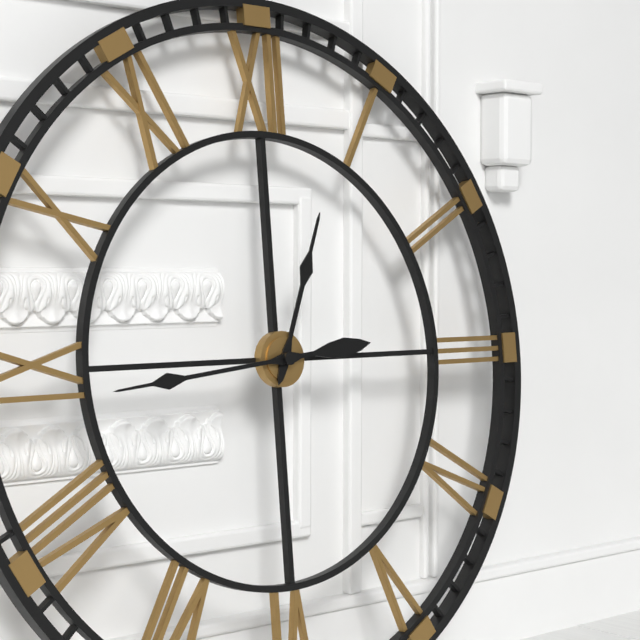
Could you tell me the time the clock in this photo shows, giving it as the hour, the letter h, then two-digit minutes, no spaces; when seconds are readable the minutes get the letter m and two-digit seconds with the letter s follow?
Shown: 12h44
